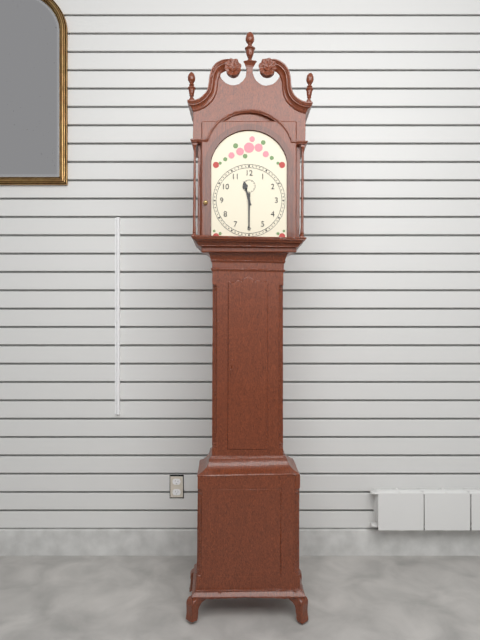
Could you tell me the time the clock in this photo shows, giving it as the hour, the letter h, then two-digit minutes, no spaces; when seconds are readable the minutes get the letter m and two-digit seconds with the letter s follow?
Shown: 11h30
